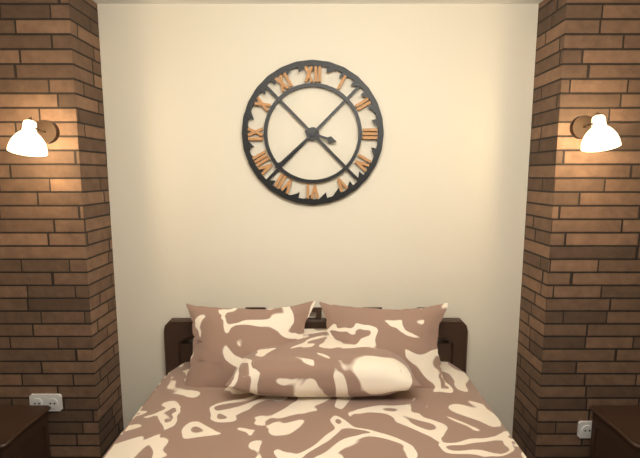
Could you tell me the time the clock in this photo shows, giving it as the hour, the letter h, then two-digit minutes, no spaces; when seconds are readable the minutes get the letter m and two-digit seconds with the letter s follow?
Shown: 3h38
